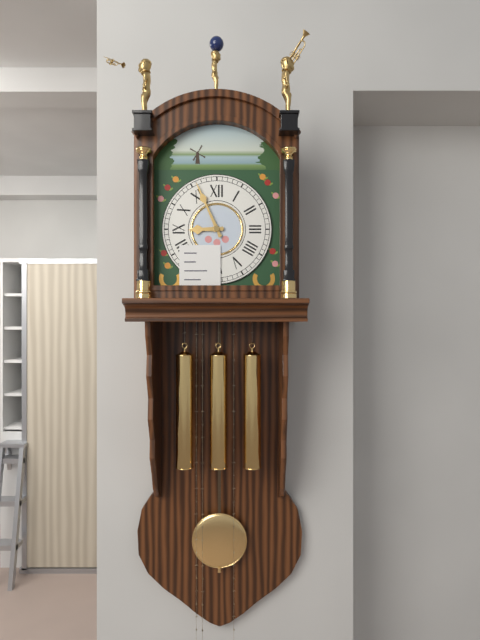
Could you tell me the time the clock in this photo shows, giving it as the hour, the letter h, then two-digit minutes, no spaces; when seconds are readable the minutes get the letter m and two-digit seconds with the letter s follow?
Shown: 8h56
